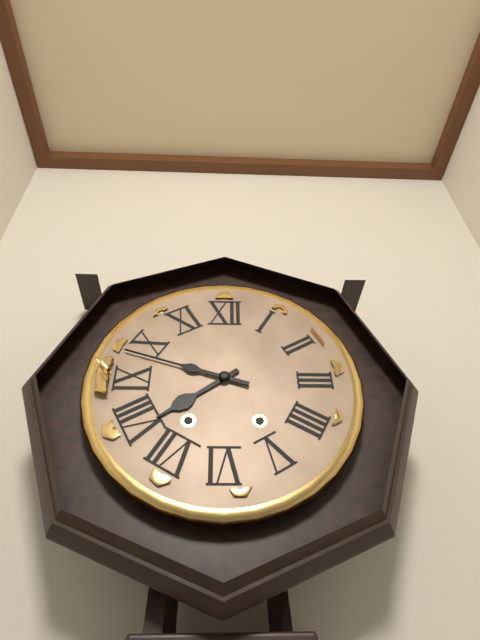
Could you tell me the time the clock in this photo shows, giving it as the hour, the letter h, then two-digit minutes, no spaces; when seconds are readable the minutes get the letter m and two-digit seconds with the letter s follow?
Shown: 7h48
